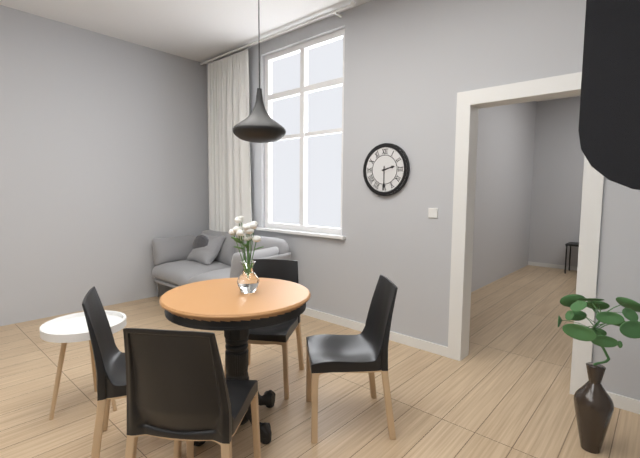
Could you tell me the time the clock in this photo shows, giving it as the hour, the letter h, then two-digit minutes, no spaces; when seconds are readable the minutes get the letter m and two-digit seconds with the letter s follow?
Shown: 2h30
